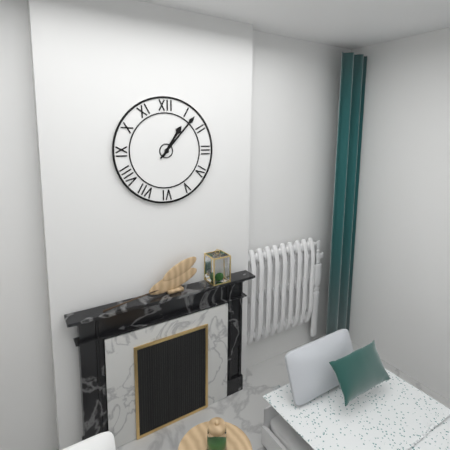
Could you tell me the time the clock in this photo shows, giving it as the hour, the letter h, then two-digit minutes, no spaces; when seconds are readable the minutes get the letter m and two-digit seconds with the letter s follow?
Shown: 1h07
